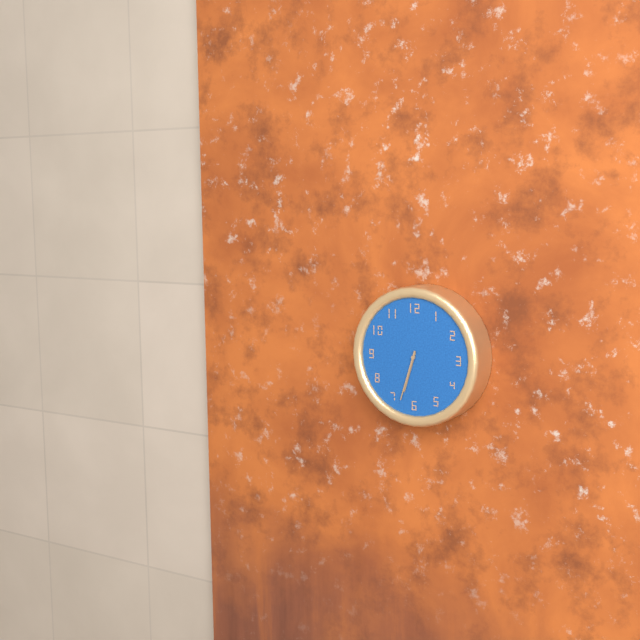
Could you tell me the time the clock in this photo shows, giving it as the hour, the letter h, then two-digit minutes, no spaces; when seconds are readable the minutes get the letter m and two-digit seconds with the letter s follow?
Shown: 6h33
